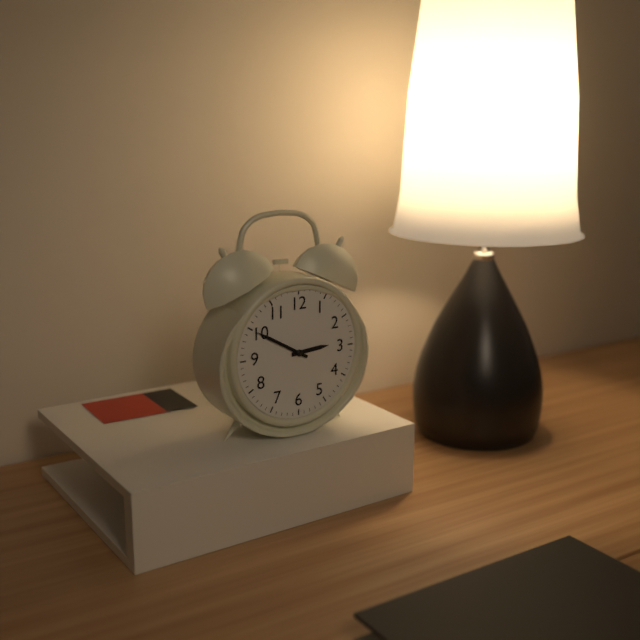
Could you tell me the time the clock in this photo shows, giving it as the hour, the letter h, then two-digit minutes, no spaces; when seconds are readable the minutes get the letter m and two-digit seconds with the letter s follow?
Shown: 2h50
